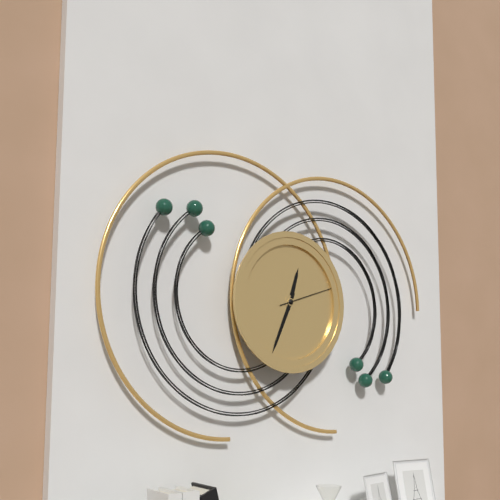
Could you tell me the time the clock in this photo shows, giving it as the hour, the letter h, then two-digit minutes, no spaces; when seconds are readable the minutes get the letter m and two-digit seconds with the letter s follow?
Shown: 12h34m12s
